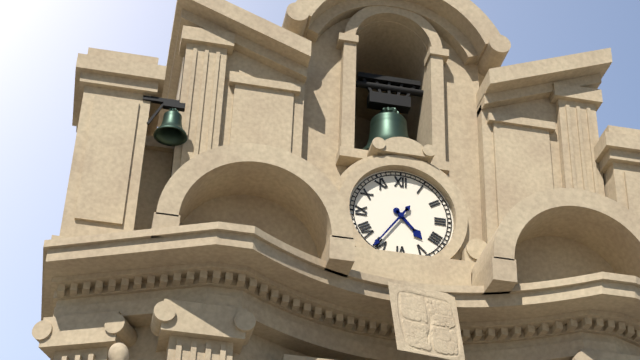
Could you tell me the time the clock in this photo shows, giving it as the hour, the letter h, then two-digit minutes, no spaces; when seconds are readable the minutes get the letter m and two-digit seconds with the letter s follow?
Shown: 4h36
